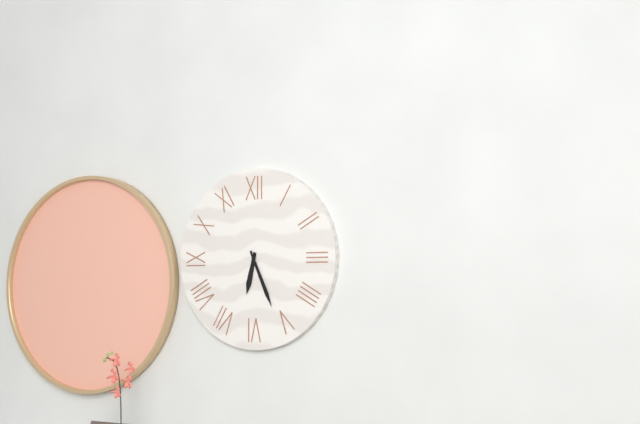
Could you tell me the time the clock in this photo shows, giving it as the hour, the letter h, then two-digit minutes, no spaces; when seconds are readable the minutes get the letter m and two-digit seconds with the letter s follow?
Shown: 6h26
